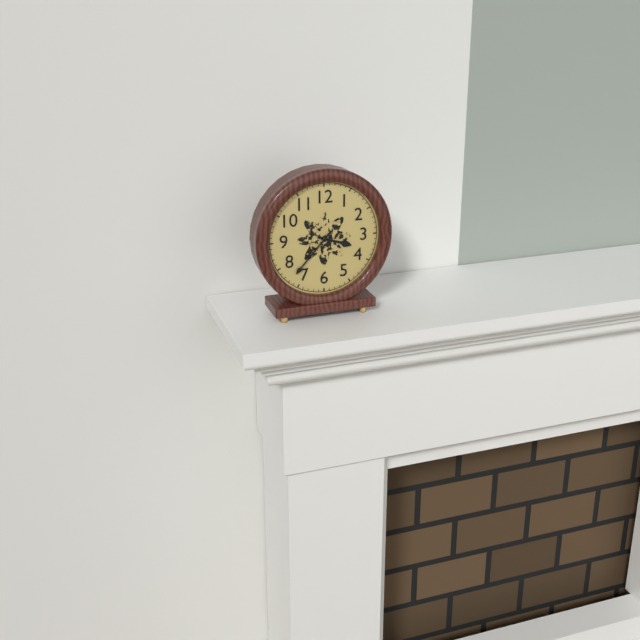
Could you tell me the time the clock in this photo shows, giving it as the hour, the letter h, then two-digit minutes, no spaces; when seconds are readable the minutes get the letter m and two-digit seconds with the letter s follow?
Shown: 3h37
